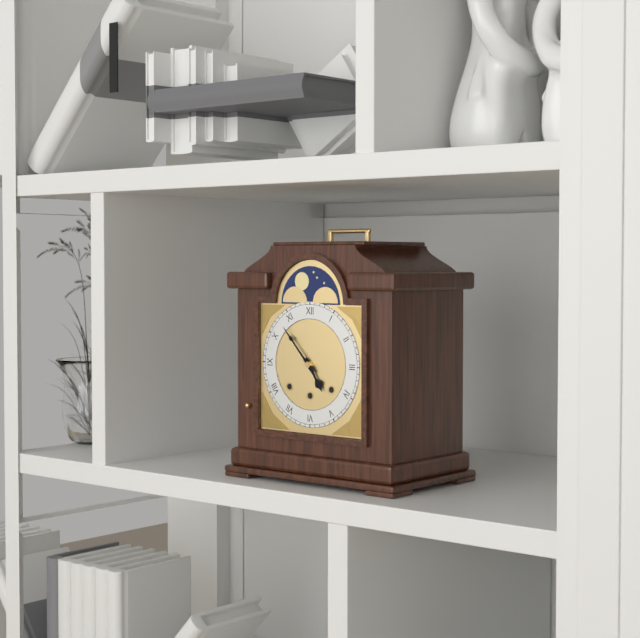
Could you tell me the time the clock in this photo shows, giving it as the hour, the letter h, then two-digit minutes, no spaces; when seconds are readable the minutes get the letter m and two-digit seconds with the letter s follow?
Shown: 4h53
